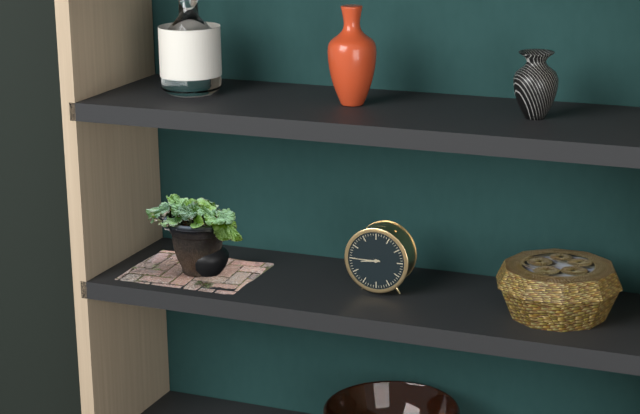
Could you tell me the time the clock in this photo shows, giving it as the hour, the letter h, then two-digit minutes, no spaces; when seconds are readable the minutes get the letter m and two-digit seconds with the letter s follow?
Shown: 8h45
